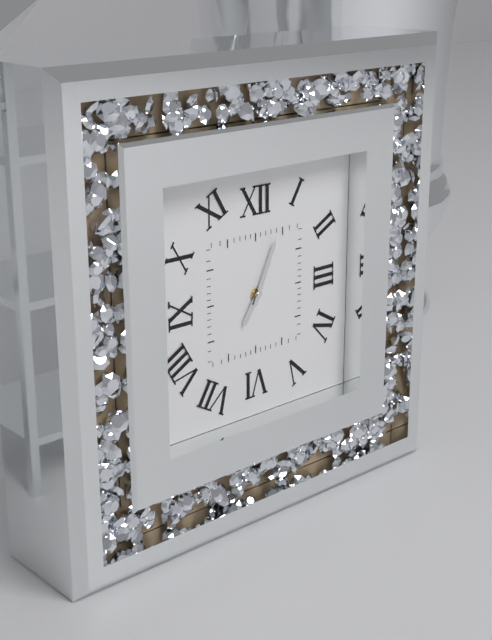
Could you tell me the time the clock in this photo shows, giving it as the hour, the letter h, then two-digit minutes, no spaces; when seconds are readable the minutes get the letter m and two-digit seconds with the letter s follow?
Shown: 7h04
